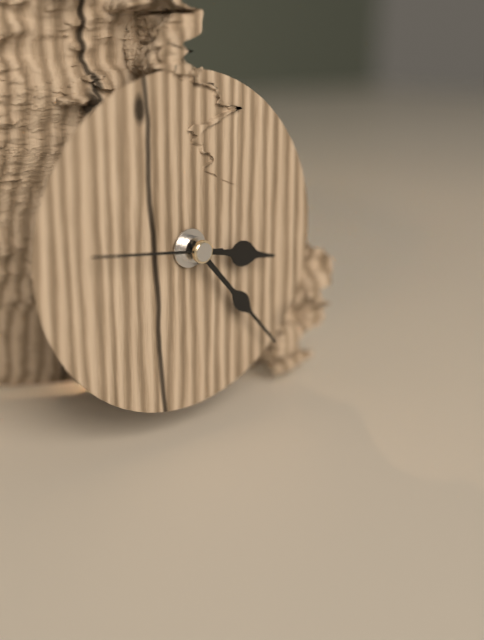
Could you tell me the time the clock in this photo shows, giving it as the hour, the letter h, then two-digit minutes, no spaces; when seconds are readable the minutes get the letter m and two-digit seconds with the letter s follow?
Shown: 3h23m46s
